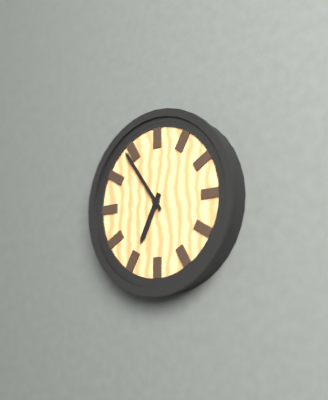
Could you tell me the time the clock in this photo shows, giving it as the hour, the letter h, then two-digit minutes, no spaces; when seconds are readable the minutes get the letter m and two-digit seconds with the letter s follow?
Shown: 6h54
